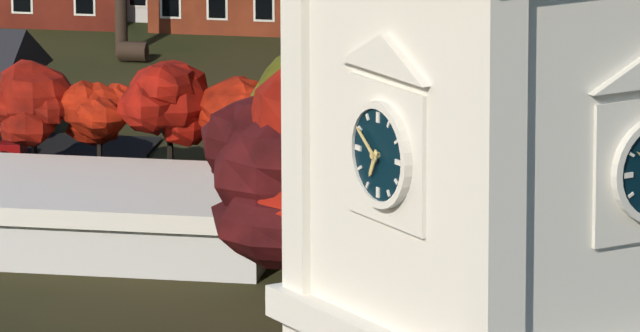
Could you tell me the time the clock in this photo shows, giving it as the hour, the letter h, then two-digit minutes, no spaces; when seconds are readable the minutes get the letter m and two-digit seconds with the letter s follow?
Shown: 6h51
